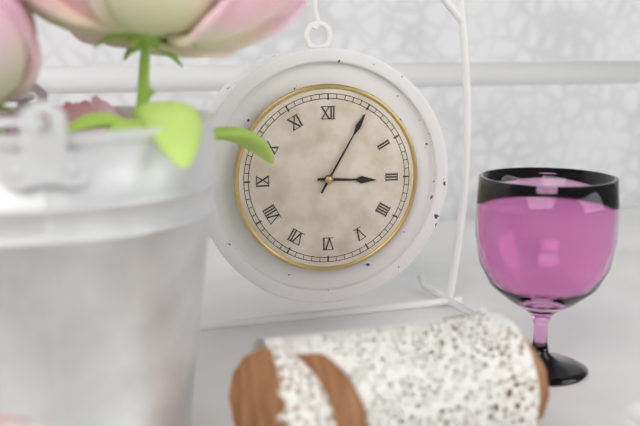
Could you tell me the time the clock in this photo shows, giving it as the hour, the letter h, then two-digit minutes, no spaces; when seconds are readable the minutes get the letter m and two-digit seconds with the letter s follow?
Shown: 3h05
